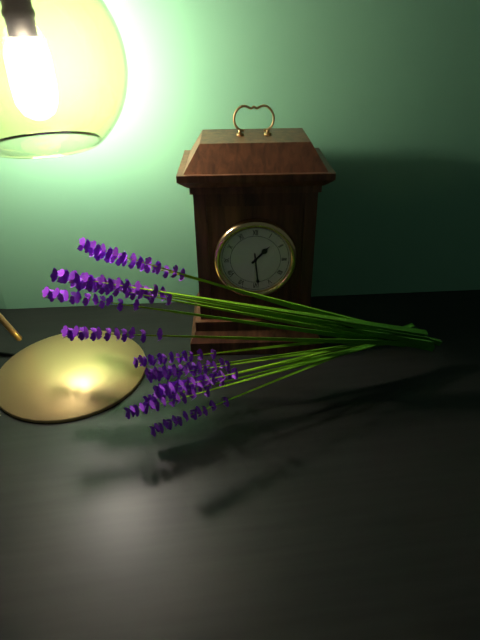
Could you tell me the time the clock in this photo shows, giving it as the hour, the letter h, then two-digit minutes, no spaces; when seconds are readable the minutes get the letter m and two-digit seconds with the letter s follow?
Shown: 1h29
